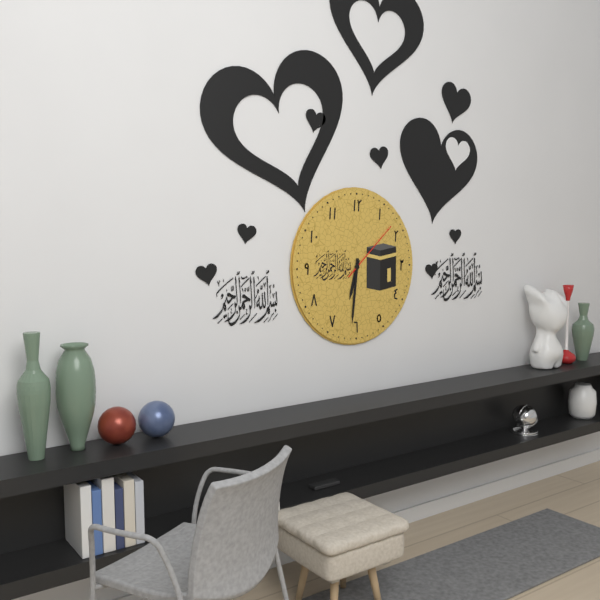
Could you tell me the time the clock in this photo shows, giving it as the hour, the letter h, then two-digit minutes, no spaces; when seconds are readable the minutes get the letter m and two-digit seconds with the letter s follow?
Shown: 6h31m08s
